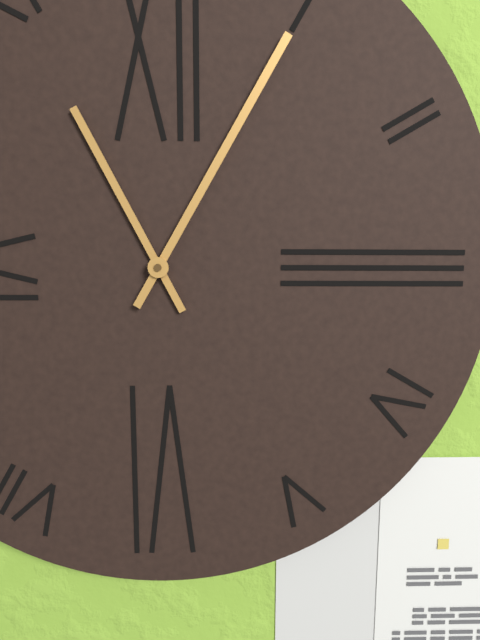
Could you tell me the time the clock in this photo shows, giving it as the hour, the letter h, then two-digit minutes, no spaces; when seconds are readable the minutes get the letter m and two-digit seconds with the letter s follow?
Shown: 11h05
